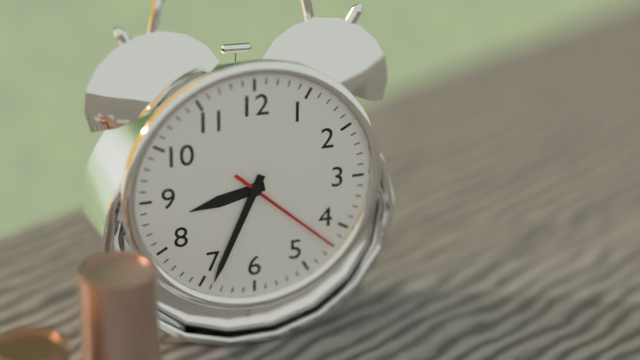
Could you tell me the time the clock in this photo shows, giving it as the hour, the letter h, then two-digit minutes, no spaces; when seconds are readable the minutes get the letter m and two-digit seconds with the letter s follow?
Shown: 8h34m22s
